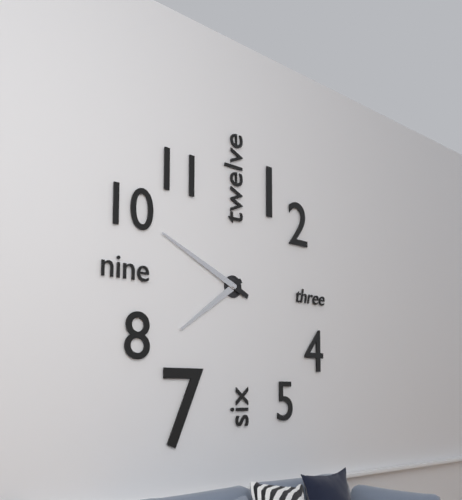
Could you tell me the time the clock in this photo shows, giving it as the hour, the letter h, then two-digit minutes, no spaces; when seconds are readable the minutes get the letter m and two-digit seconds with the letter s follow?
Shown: 7h49
